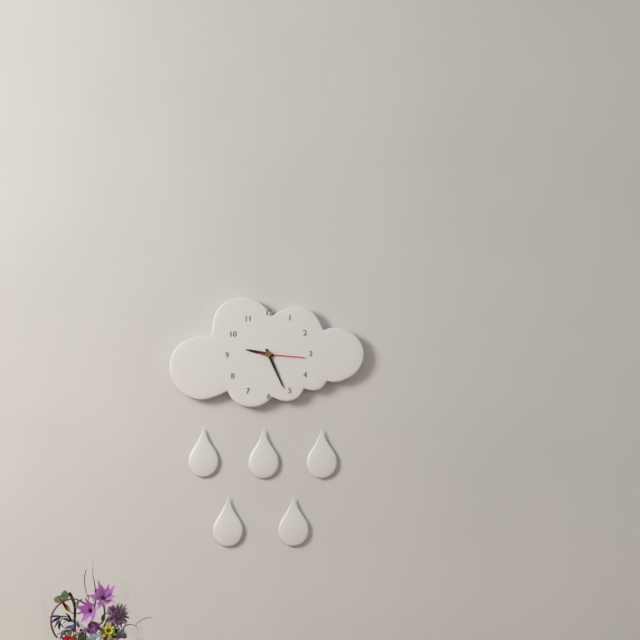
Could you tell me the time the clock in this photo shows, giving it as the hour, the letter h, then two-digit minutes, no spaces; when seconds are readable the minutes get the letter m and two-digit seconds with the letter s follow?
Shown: 9h26
